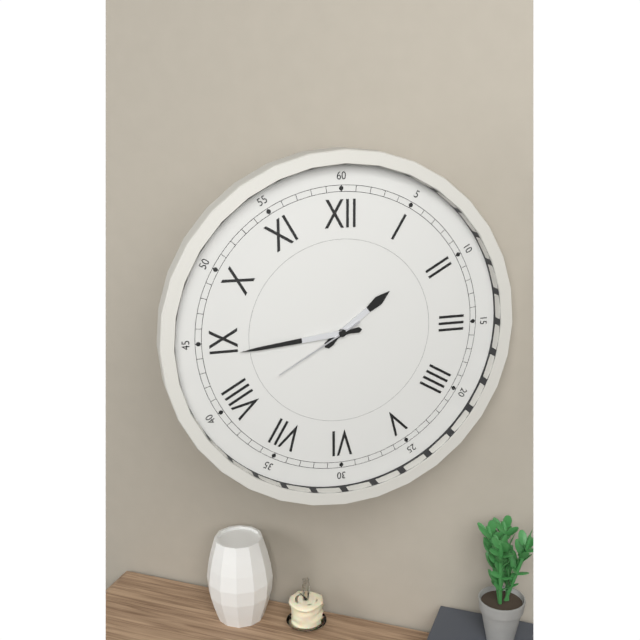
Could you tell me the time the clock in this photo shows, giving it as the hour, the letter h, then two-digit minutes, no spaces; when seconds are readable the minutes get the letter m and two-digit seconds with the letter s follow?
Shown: 1h44m40s
